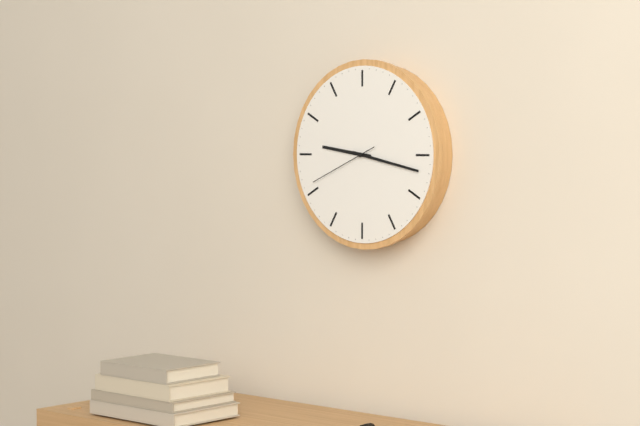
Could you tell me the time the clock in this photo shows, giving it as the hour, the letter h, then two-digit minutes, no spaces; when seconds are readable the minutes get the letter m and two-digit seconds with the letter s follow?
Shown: 9h17m41s
